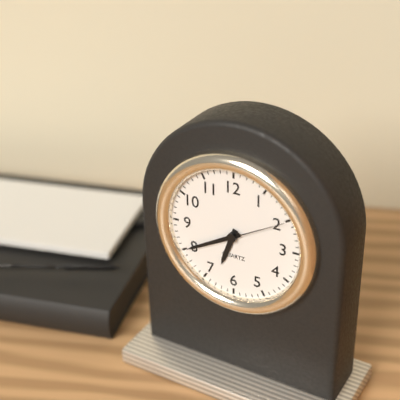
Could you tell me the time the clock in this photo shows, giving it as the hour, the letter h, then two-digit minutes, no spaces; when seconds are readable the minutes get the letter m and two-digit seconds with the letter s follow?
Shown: 6h40m10s
